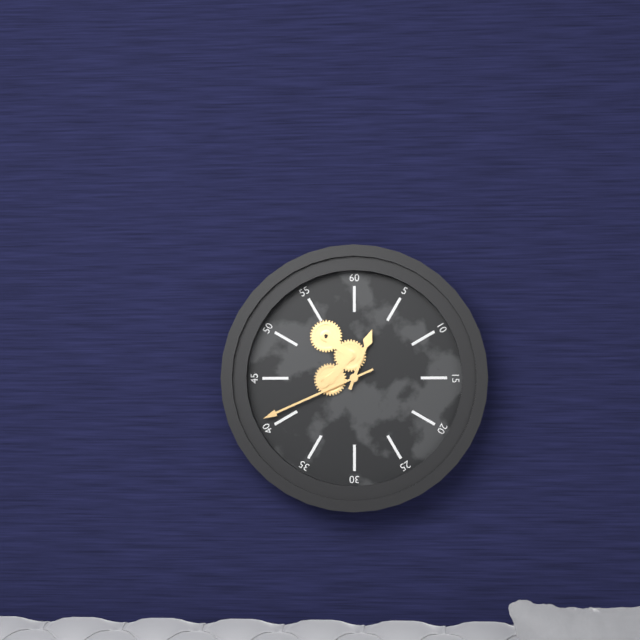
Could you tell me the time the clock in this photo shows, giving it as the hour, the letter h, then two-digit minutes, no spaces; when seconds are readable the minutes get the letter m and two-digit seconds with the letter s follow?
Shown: 12h41
